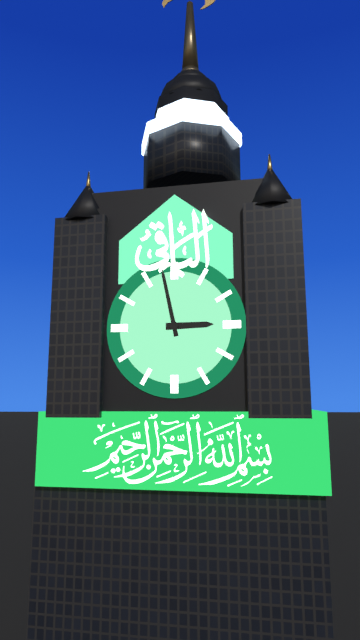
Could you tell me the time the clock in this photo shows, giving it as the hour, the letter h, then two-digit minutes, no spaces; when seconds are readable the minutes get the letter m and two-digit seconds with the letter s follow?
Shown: 2h58
